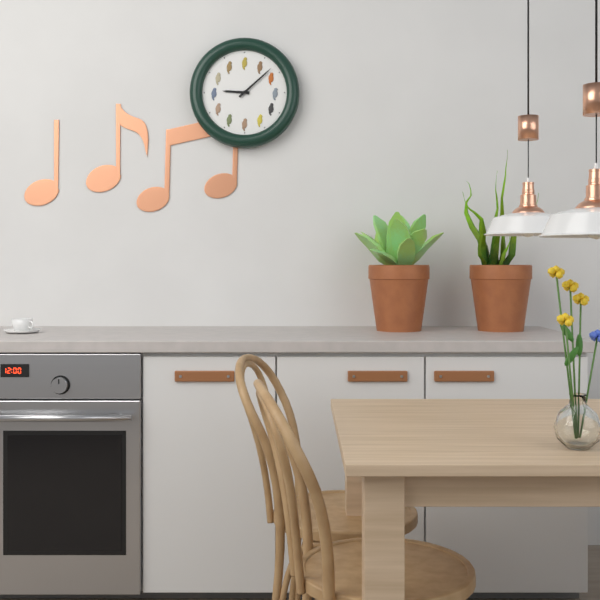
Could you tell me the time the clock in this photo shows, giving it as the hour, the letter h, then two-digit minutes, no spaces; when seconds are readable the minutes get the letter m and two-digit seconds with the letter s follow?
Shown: 9h08
